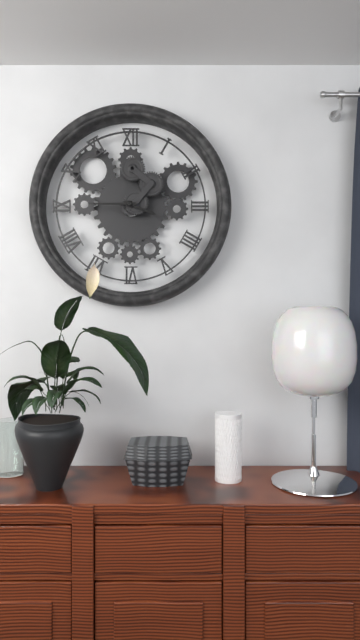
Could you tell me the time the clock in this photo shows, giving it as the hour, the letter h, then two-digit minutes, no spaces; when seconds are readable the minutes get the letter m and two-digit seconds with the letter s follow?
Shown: 3h45
